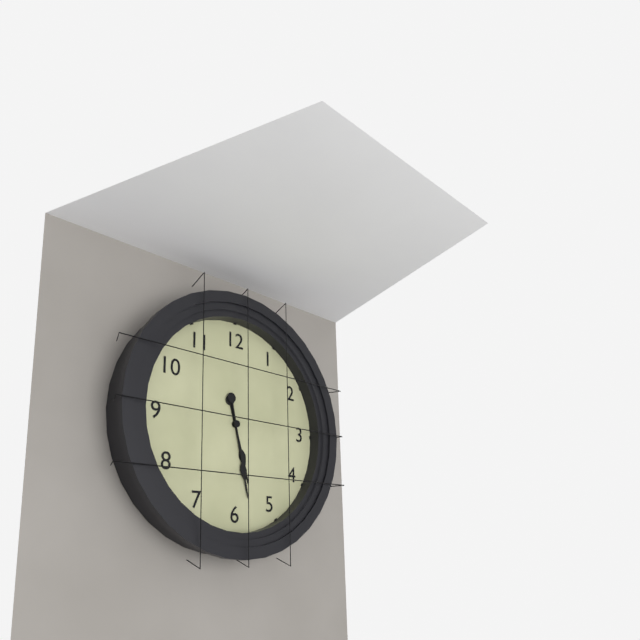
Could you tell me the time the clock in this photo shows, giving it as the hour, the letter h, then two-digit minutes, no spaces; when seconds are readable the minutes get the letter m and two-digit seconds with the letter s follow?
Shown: 5h28
